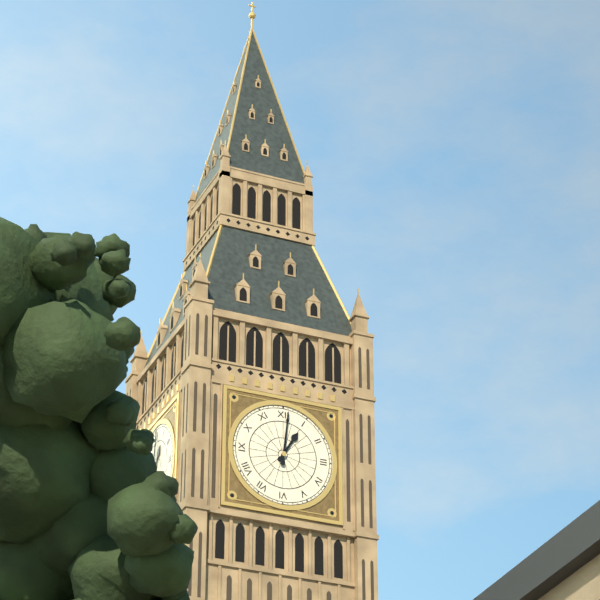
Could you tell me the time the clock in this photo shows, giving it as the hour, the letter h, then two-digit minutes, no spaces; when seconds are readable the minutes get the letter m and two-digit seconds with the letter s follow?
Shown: 1h01
